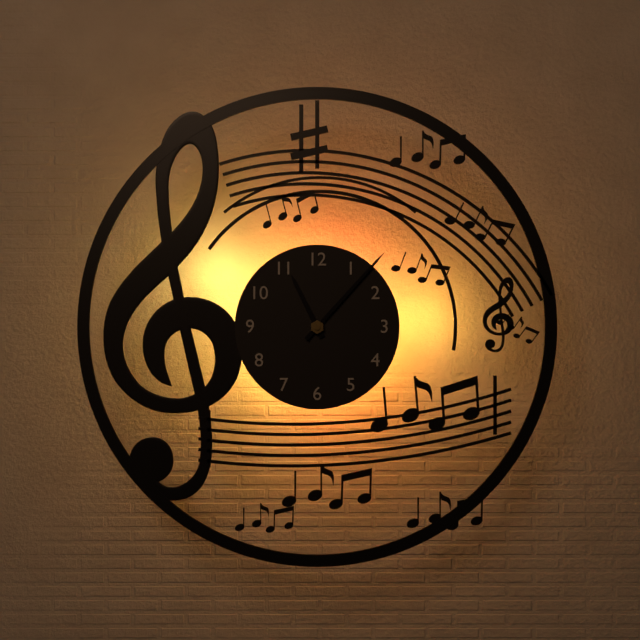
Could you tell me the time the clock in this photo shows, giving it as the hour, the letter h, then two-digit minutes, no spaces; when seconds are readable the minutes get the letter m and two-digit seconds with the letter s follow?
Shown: 11h07
